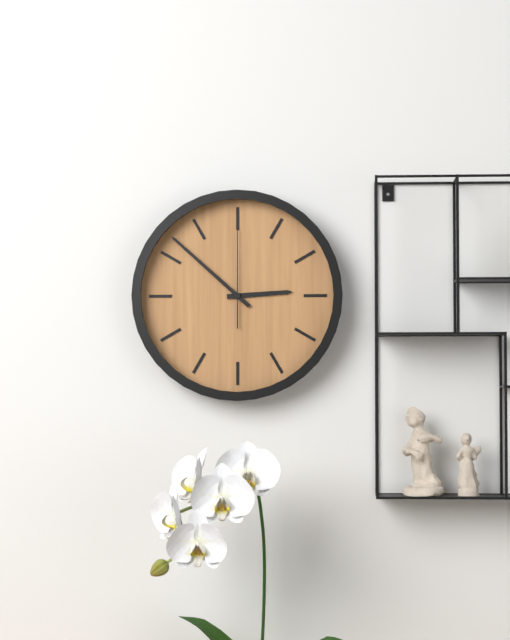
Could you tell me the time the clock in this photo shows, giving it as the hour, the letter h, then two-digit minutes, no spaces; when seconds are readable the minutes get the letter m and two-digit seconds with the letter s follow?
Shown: 2h52m00s
